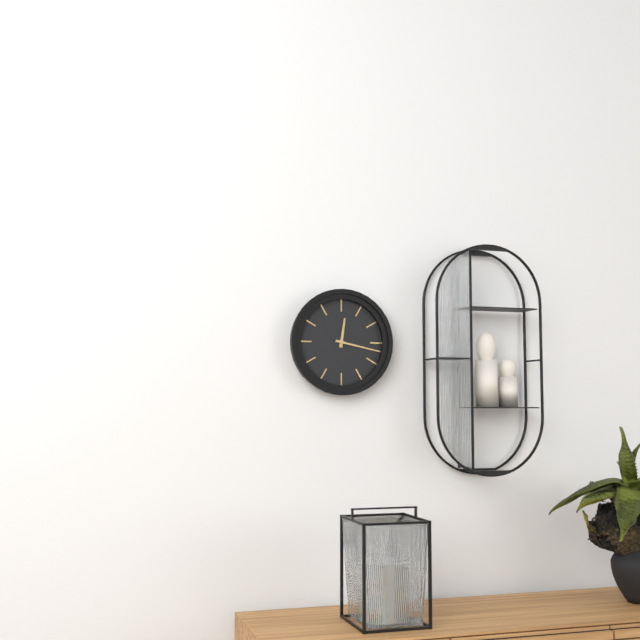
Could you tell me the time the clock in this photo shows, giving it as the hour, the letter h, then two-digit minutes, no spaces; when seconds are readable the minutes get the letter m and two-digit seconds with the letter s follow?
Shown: 12h17
